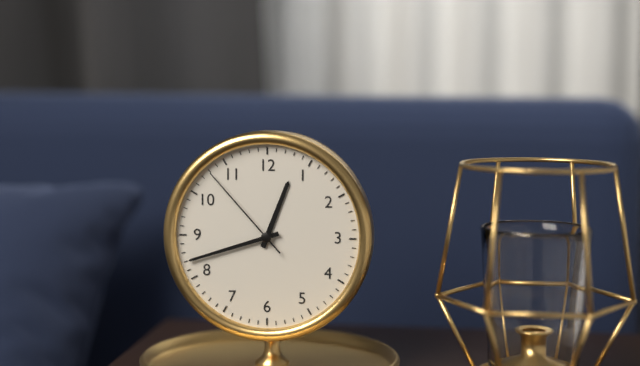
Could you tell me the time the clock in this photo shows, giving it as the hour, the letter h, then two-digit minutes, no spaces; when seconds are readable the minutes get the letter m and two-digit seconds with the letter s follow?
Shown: 12h42m53s
